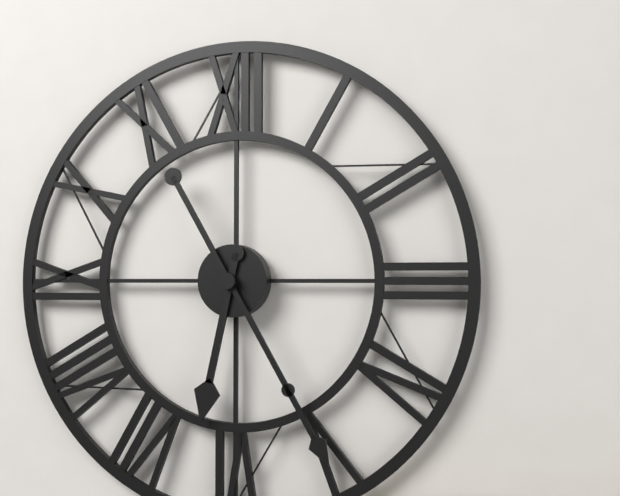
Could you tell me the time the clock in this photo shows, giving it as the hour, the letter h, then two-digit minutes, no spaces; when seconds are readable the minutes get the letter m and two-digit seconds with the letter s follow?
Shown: 6h25
